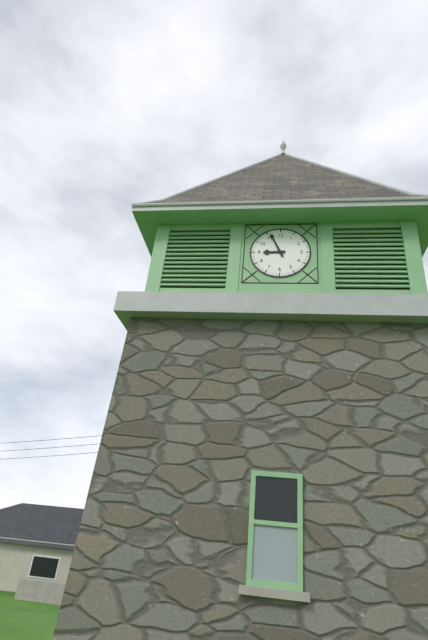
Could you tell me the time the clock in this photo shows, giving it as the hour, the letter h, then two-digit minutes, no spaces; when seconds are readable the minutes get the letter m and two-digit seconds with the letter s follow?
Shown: 8h56
